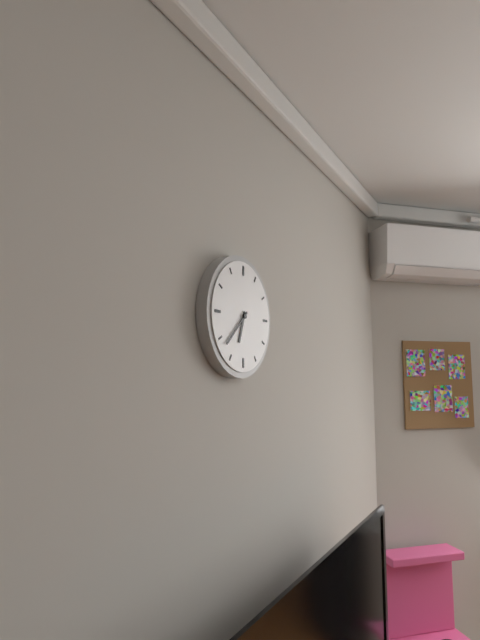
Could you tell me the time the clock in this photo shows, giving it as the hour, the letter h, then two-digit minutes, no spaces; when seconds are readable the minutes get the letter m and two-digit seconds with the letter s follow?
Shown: 6h38
